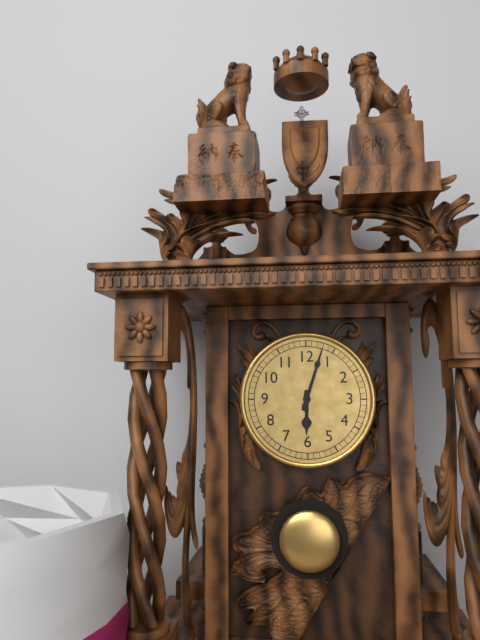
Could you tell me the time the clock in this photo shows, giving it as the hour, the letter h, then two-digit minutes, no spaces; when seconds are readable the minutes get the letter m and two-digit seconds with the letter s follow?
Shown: 6h03
